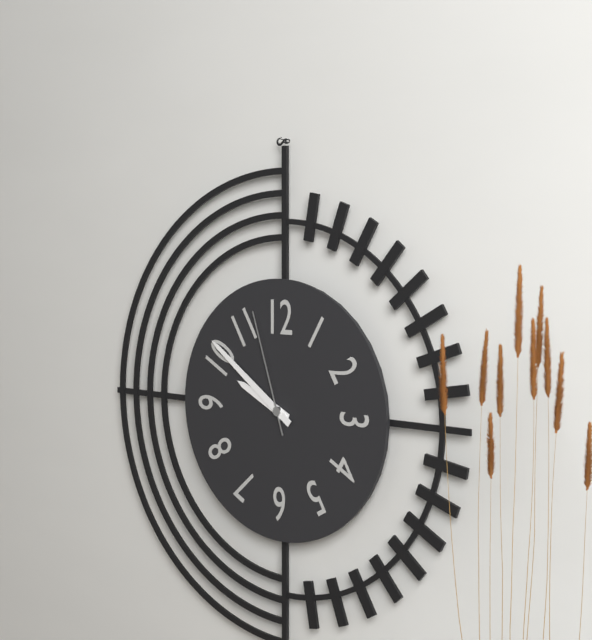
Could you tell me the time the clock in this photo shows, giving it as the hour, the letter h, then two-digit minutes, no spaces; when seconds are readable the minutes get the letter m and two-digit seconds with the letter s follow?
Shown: 9h51m57s
